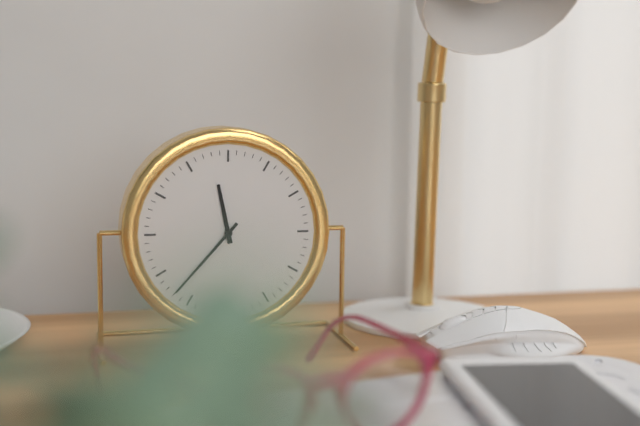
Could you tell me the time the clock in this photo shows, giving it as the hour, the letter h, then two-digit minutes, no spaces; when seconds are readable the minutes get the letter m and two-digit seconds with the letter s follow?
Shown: 11h37
